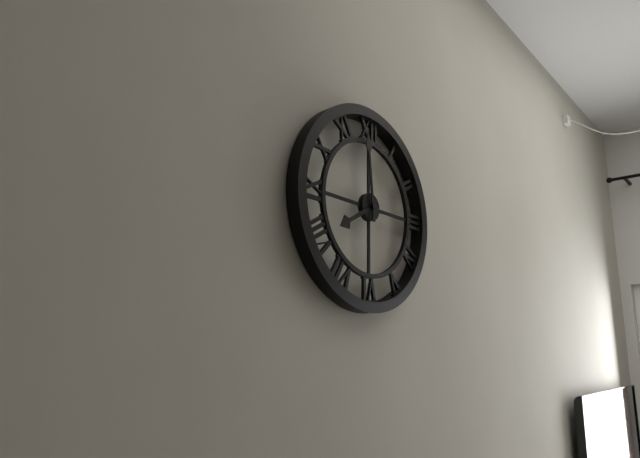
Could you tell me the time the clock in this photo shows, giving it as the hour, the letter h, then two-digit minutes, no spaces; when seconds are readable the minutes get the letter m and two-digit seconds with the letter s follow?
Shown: 7h59
